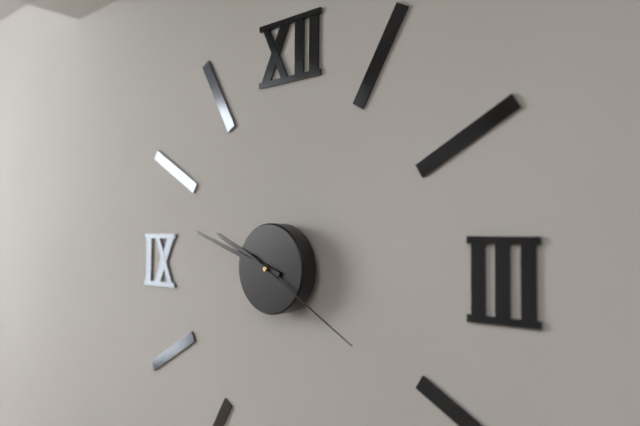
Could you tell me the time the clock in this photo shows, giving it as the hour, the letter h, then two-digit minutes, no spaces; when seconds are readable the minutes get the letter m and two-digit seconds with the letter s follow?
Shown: 9h48m20s
